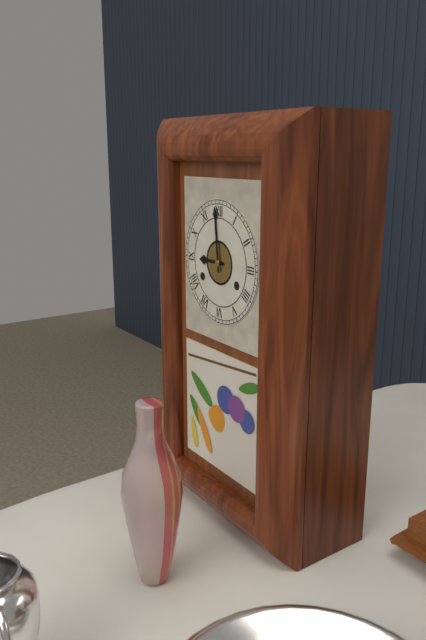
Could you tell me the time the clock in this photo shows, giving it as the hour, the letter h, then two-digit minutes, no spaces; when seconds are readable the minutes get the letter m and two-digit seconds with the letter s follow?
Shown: 8h59
